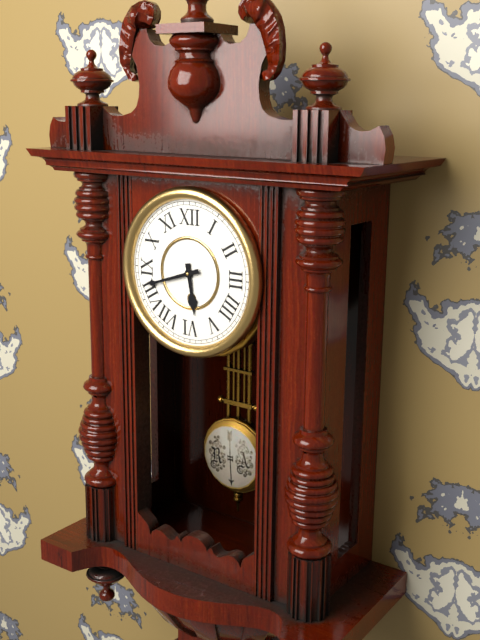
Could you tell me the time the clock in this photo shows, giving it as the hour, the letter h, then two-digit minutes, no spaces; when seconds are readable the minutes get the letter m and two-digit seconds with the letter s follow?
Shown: 5h42
